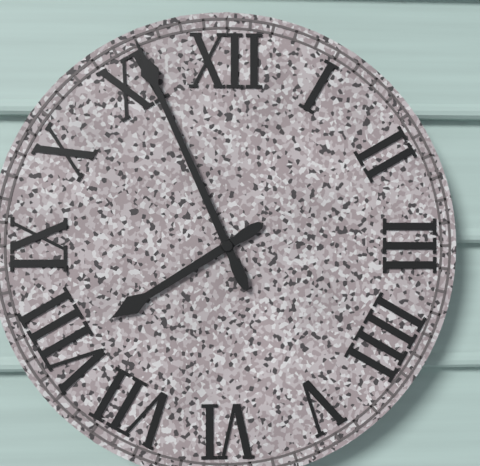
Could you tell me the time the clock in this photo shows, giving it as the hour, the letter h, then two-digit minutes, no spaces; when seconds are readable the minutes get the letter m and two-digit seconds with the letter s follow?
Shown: 7h56
